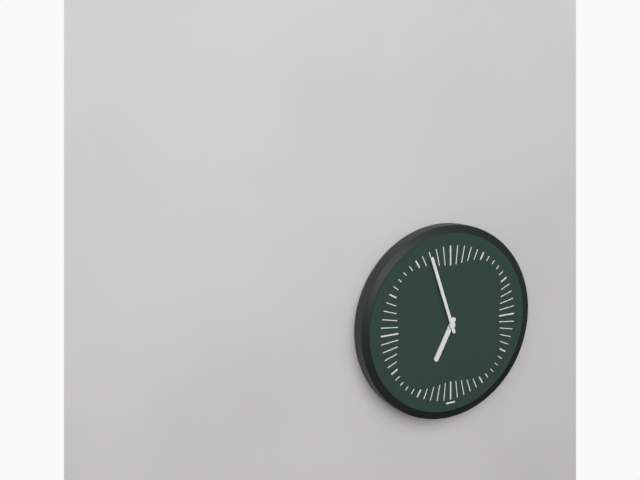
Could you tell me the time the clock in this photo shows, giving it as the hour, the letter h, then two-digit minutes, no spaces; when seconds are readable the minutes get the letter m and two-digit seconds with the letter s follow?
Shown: 6h57
